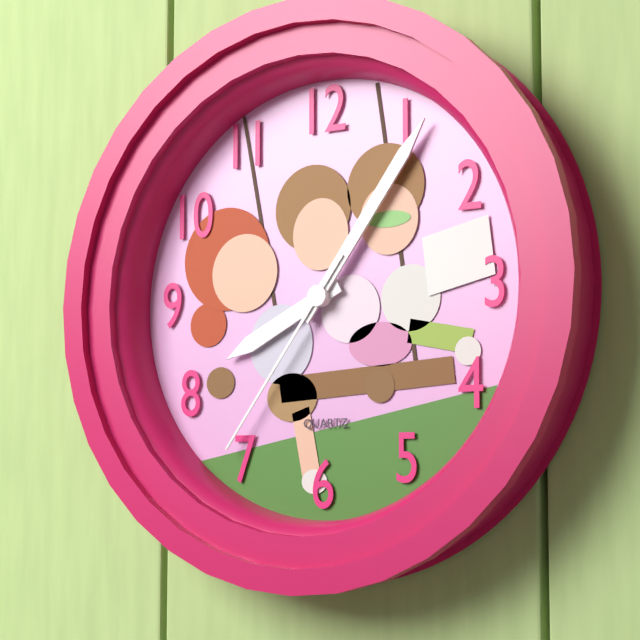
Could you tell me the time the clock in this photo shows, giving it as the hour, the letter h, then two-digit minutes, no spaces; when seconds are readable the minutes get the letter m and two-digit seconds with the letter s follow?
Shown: 8h06m36s
